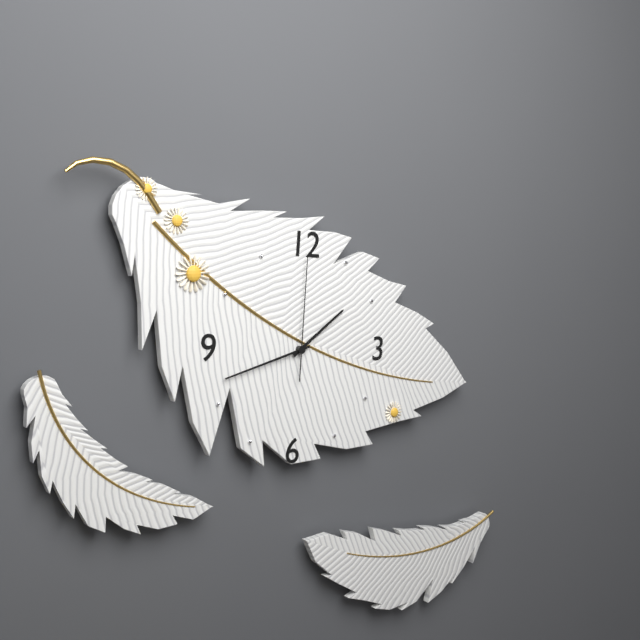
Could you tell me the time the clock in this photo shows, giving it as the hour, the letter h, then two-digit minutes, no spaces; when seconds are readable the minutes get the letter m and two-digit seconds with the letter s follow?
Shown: 1h42m00s
